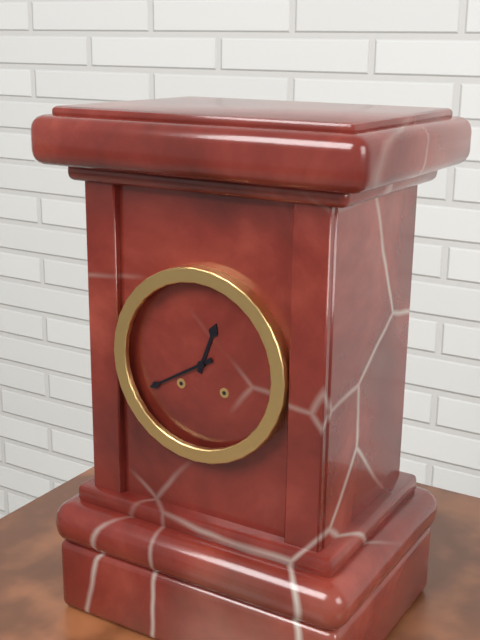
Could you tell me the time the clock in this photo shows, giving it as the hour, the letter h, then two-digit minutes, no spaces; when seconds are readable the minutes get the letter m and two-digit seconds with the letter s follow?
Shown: 12h40
